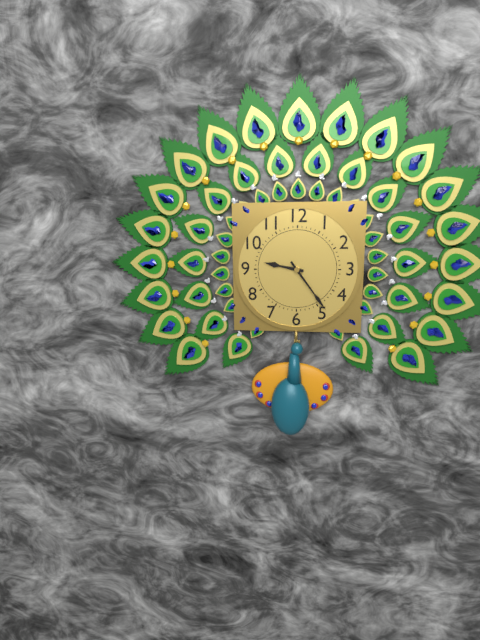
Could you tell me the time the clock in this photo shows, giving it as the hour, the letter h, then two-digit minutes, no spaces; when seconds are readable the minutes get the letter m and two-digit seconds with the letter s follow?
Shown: 9h24
